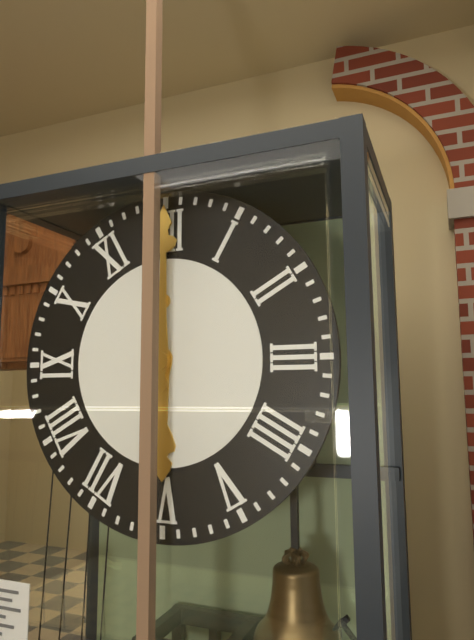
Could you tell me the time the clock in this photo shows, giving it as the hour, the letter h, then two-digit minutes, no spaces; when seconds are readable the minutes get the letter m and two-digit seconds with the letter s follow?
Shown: 6h00
